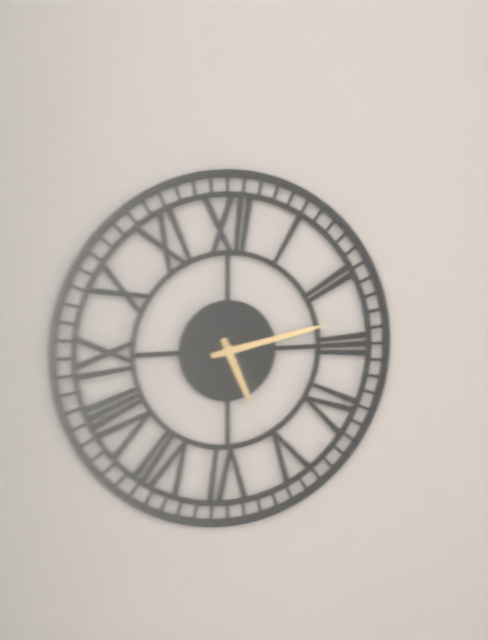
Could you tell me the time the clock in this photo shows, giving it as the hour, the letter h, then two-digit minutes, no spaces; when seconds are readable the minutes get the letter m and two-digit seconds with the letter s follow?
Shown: 5h13
